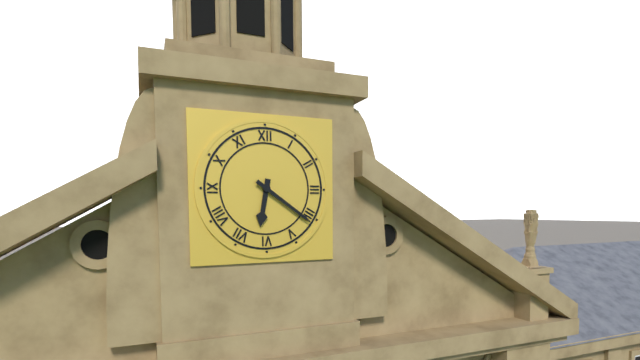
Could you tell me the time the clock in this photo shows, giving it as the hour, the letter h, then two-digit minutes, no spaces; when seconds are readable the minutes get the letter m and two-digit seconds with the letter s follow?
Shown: 6h21
